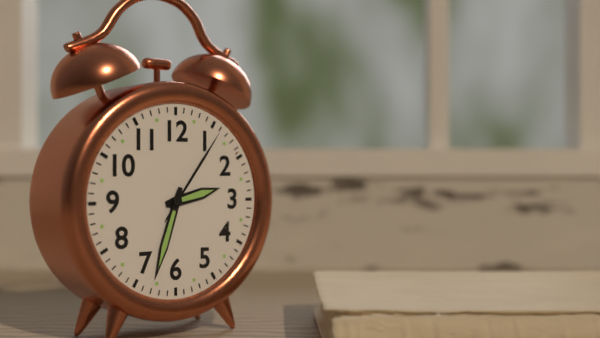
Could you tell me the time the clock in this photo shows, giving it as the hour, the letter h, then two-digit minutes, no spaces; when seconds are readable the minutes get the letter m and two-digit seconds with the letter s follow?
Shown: 2h33m06s
